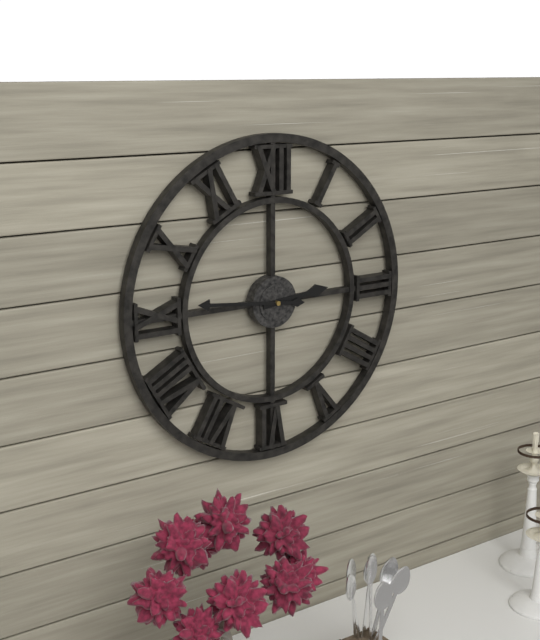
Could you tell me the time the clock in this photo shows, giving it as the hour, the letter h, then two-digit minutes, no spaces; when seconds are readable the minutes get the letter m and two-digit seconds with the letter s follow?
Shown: 2h46
